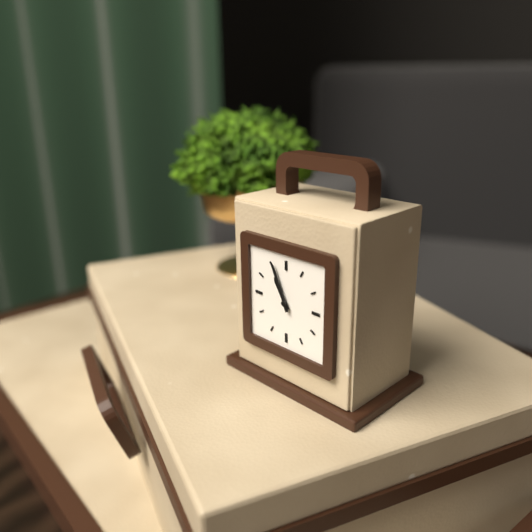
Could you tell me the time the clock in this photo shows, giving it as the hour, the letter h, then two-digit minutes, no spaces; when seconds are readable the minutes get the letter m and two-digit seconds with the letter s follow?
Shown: 10h56
